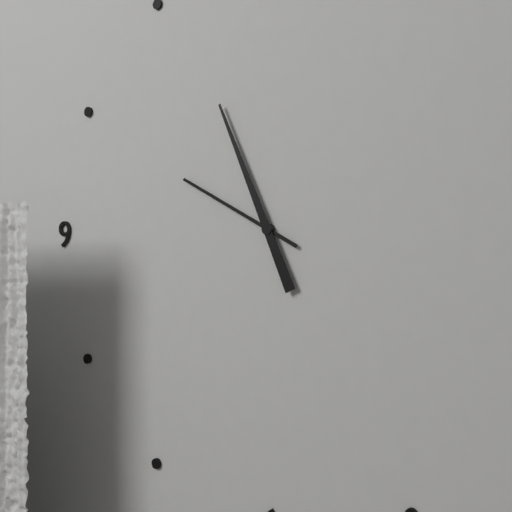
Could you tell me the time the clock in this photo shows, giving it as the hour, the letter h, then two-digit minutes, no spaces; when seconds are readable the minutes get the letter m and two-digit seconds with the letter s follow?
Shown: 9h56
